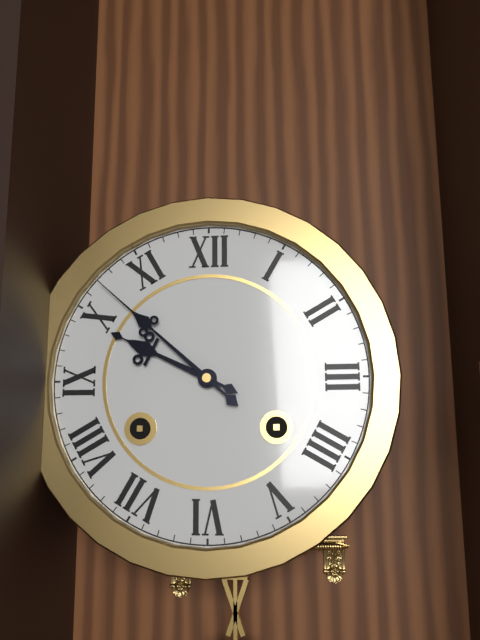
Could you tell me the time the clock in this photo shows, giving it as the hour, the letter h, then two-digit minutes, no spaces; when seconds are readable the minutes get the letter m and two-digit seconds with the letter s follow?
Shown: 9h52
